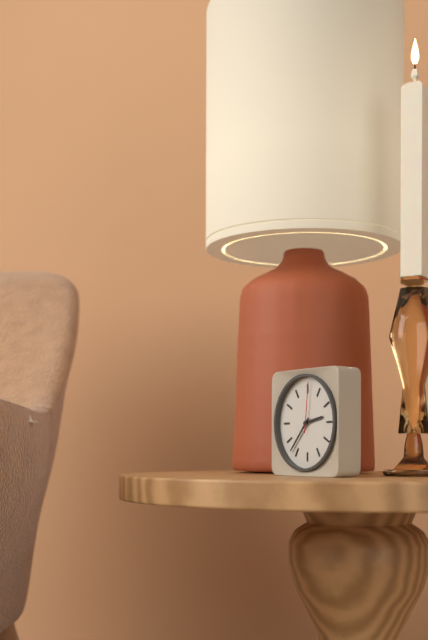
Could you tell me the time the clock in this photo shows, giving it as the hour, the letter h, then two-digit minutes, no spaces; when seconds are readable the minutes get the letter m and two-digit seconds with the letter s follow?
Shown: 2h37m01s
